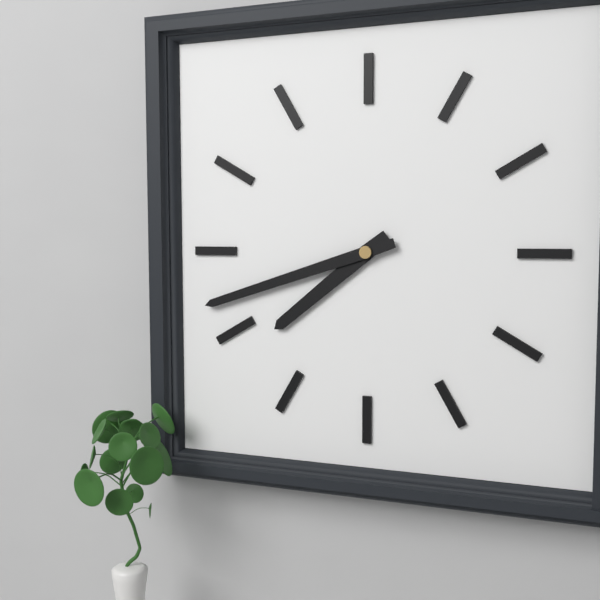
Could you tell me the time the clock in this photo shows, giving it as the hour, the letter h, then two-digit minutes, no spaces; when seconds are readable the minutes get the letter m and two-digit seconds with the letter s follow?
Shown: 7h42
